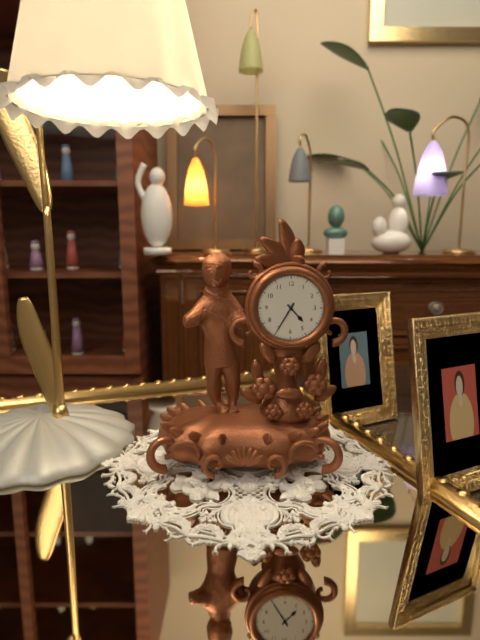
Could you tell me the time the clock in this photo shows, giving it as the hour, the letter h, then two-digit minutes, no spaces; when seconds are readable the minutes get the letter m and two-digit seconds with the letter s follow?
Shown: 4h35
